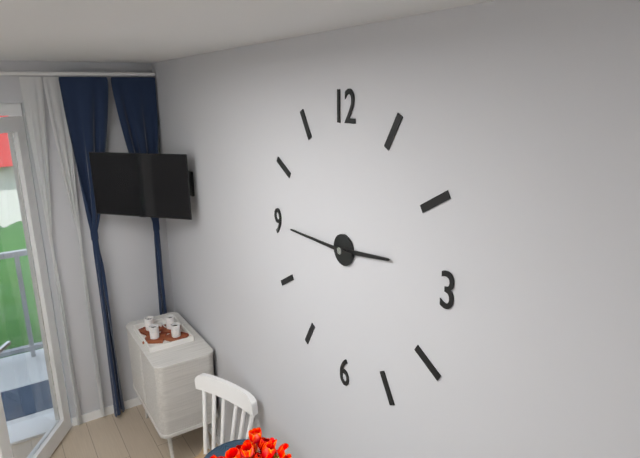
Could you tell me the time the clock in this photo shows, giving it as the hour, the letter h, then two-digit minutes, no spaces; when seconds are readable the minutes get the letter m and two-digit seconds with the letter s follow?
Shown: 2h45
